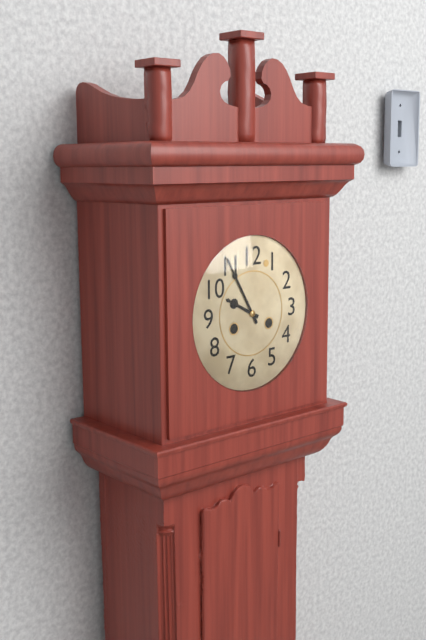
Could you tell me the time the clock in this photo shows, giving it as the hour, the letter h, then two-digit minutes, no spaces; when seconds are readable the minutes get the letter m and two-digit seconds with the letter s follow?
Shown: 9h55
